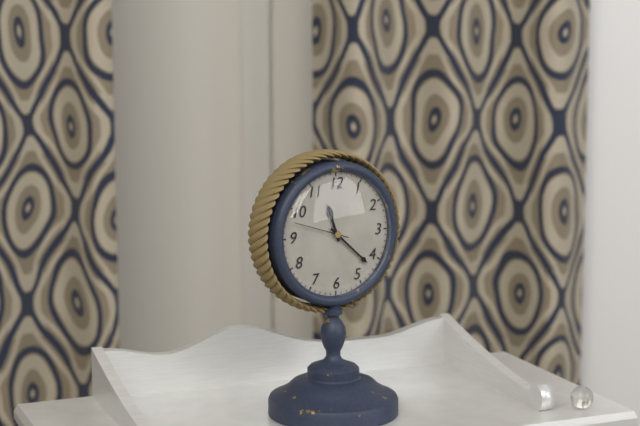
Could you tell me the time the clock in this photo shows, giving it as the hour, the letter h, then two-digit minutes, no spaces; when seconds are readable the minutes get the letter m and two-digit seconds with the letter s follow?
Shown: 11h22m48s
